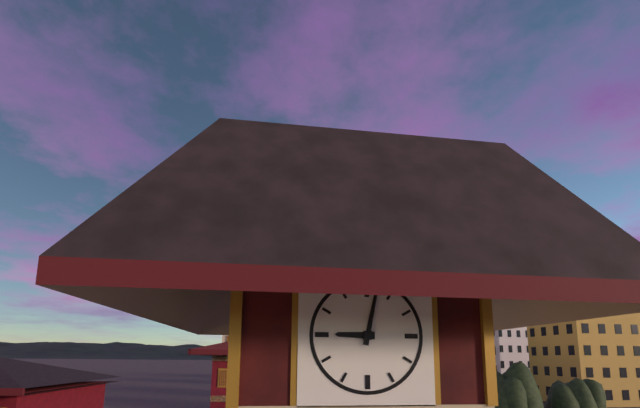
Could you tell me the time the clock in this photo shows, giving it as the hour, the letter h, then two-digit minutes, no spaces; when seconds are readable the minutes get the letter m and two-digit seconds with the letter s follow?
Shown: 9h02
